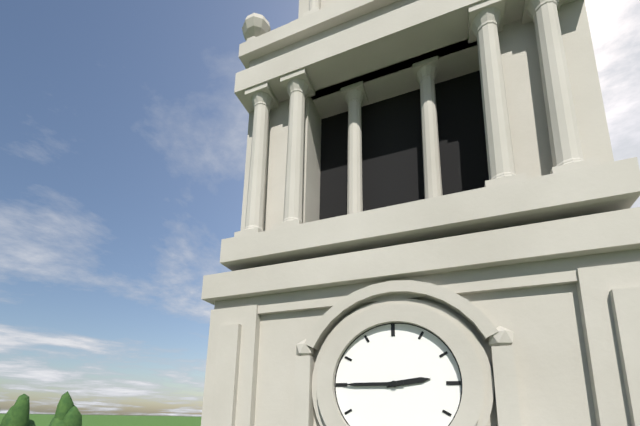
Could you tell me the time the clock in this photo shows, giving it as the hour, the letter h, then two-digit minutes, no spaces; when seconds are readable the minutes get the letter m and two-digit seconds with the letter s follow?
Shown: 2h45
